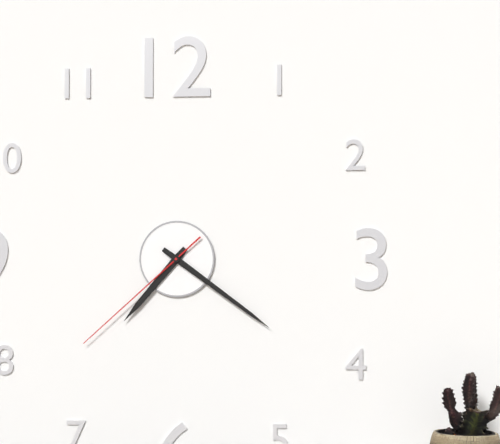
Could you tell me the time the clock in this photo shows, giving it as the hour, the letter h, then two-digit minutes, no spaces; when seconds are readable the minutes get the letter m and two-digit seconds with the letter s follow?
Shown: 7h21m38s
